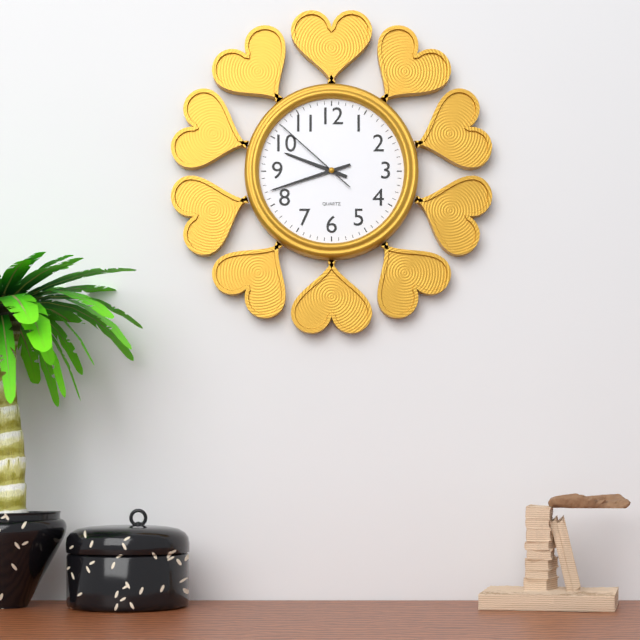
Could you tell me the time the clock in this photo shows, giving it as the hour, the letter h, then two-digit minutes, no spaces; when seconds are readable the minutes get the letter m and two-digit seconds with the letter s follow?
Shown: 9h42m52s
